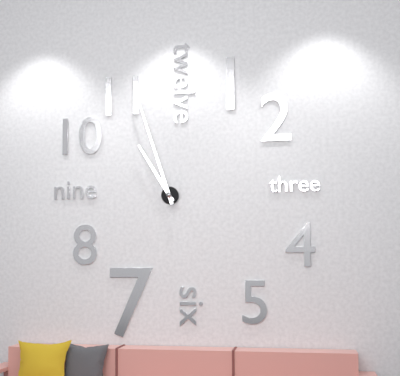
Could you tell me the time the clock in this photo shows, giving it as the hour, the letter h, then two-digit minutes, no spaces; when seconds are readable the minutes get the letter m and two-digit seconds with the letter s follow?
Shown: 10h57
